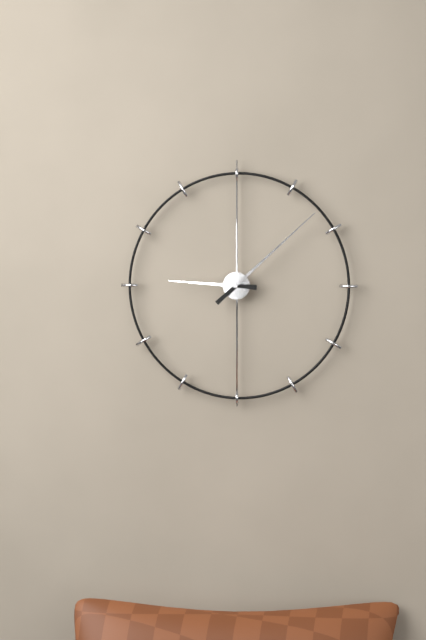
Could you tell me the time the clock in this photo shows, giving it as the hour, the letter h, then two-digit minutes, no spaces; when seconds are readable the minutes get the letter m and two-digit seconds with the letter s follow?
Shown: 9h08
